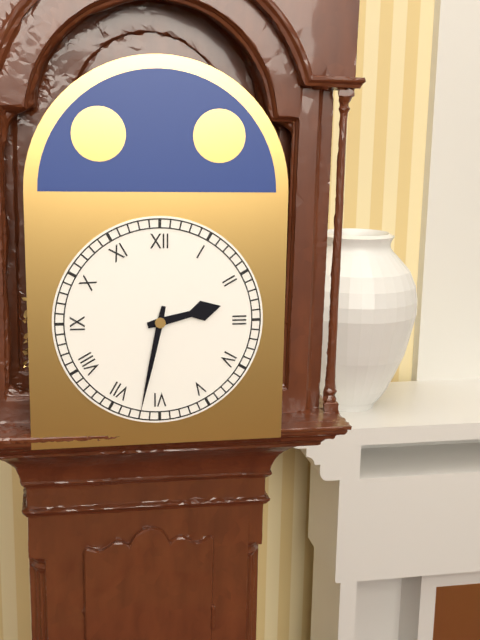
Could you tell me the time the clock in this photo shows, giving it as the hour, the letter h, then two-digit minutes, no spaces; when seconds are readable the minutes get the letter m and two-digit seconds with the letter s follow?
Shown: 2h32
